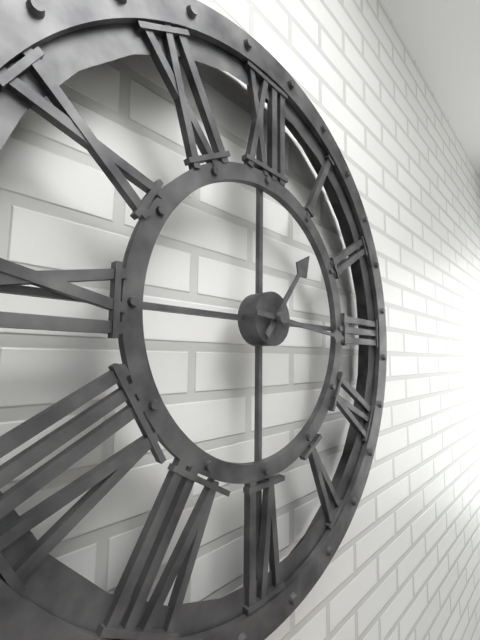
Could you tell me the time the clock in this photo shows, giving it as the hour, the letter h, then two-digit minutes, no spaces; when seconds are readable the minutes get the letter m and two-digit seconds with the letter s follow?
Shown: 1h16
